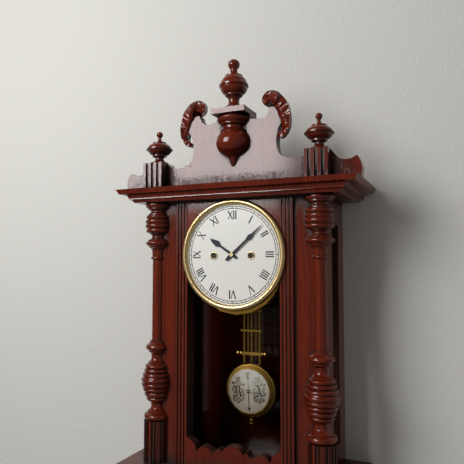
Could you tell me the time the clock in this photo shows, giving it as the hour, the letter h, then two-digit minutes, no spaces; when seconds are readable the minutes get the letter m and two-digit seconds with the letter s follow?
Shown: 10h08
